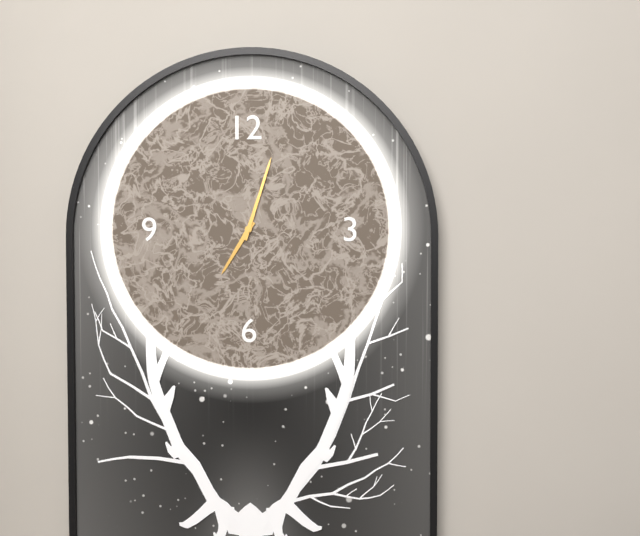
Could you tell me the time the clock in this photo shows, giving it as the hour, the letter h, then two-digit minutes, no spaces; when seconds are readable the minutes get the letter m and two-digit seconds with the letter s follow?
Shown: 7h03
